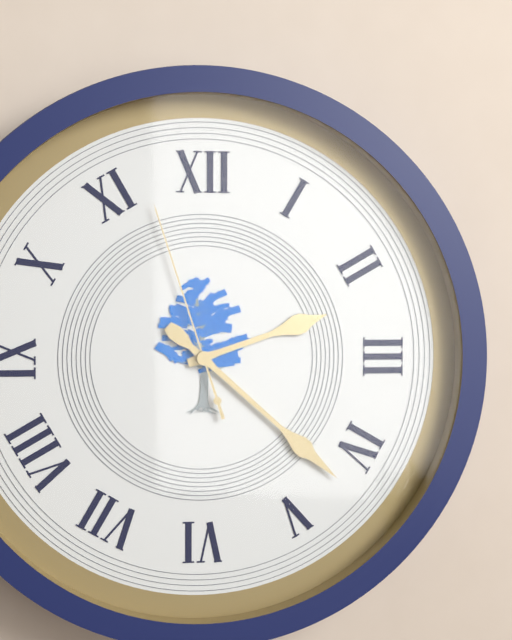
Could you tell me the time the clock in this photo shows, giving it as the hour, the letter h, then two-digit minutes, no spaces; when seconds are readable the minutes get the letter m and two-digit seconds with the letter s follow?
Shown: 2h22m57s
